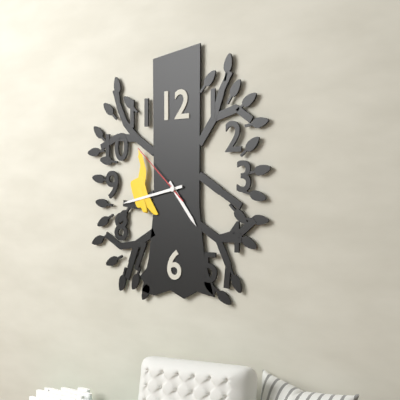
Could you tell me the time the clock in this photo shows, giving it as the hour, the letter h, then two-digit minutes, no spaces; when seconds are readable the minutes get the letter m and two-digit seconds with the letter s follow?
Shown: 4h43m52s
